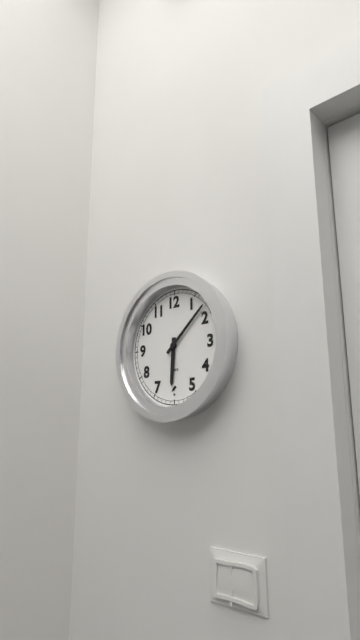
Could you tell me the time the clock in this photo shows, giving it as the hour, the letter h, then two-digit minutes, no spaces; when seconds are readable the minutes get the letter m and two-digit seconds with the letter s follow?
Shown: 6h08
